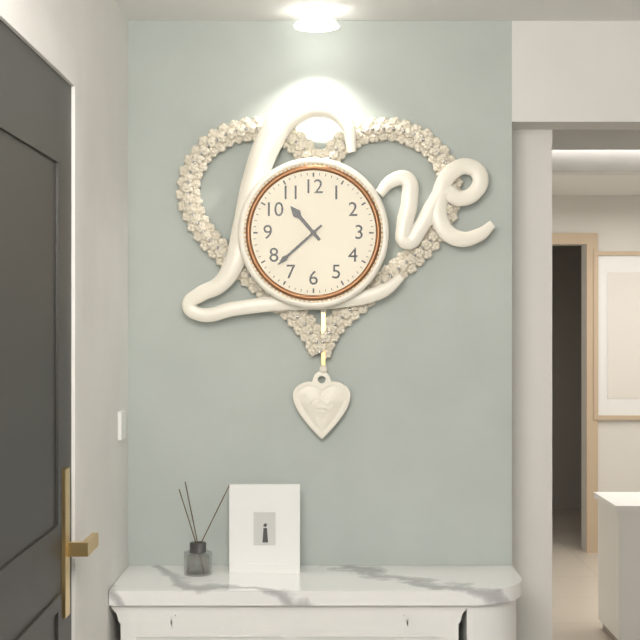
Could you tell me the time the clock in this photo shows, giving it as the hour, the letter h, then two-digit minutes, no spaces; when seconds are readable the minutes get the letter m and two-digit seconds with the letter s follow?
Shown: 10h38
